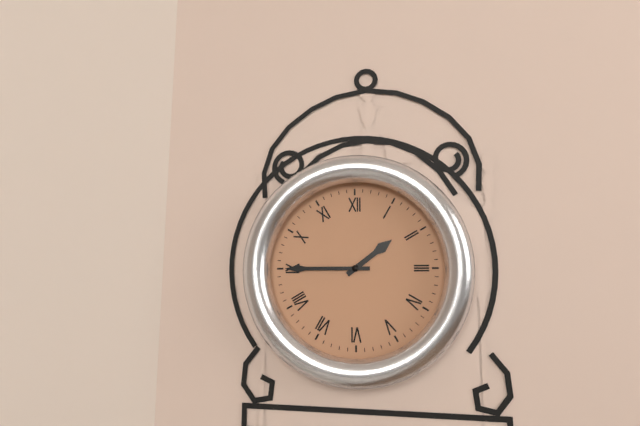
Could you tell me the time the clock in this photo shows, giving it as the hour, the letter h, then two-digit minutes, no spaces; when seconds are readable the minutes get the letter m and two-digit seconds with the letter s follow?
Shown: 1h45
